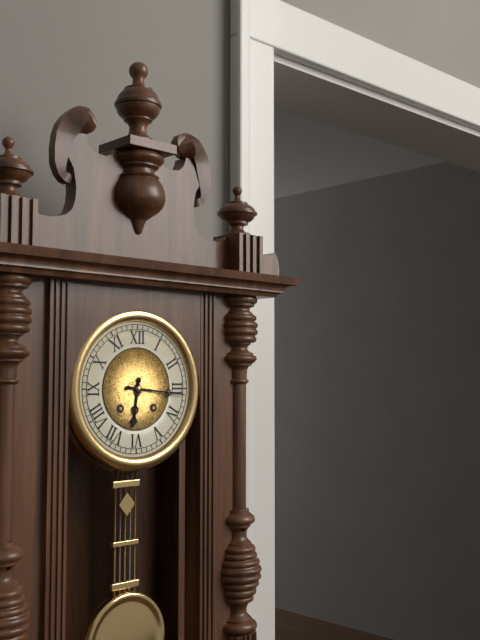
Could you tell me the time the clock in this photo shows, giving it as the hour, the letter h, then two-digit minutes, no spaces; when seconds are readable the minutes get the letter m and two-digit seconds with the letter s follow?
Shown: 6h16
